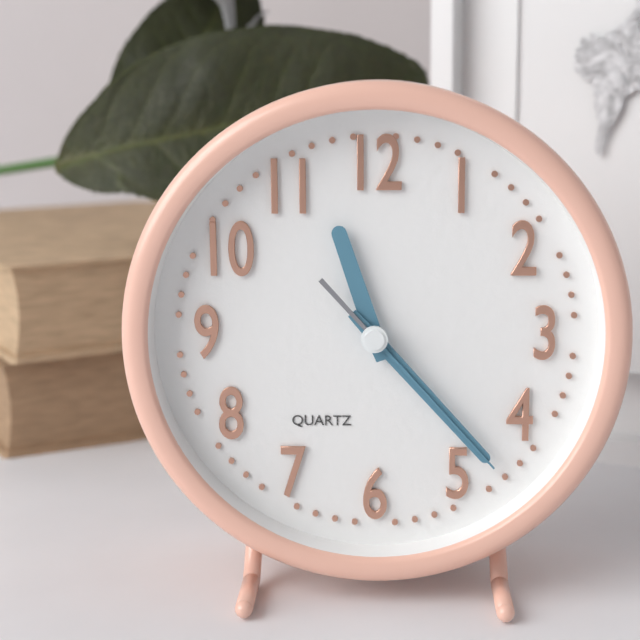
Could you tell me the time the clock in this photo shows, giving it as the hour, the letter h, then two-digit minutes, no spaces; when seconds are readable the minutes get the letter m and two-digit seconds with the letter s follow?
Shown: 11h23m23s
